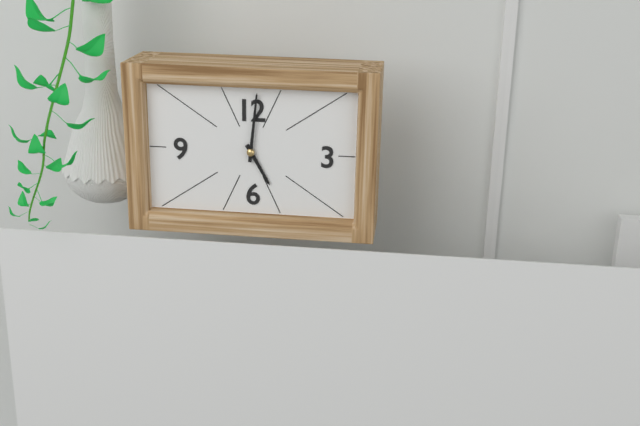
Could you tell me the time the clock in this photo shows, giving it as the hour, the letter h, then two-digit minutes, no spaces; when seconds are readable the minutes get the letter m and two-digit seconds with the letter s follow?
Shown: 5h01
